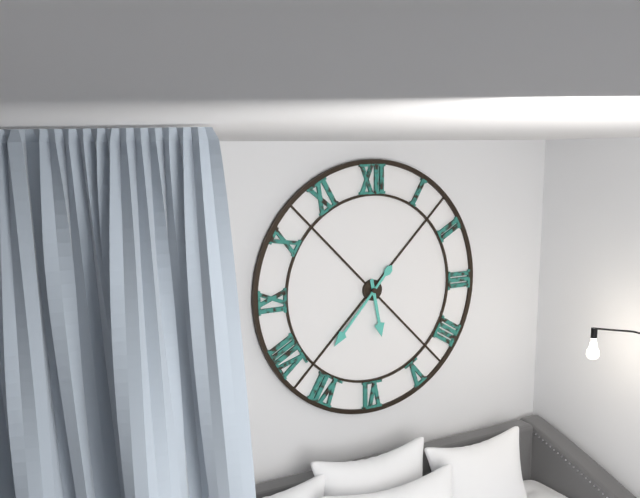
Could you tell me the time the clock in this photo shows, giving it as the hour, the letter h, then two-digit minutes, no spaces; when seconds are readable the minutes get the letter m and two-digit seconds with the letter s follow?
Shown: 5h37
